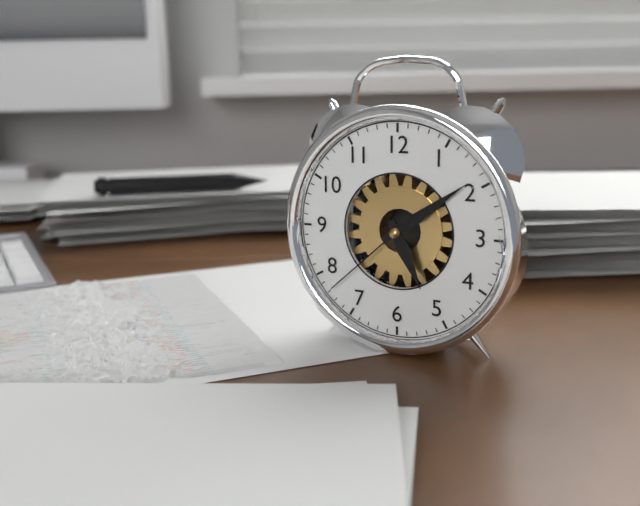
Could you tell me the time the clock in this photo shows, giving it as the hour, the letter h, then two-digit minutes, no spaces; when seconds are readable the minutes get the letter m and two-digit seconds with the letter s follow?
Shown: 5h09m38s
